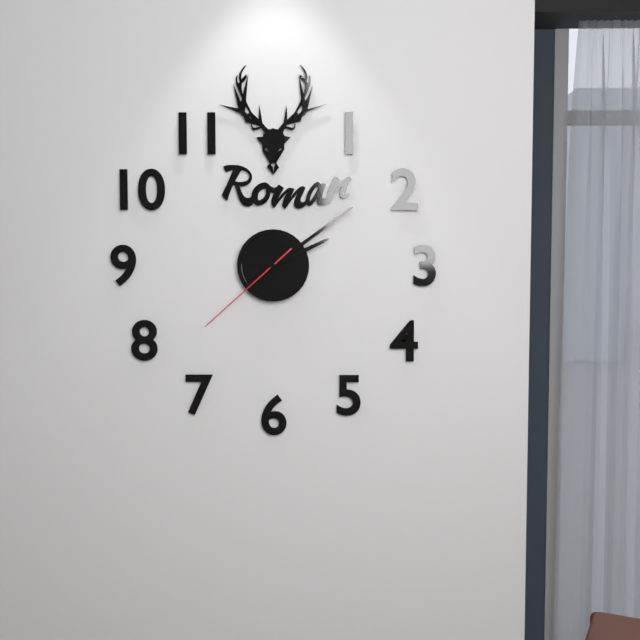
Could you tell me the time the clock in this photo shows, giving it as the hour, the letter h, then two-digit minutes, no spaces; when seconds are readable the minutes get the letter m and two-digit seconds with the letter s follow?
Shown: 2h09m38s
